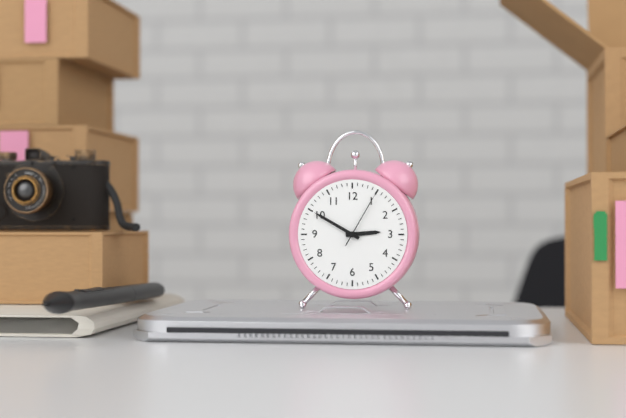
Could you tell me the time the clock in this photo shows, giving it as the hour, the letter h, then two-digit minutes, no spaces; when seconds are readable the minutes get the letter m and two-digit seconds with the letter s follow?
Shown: 2h50m05s
